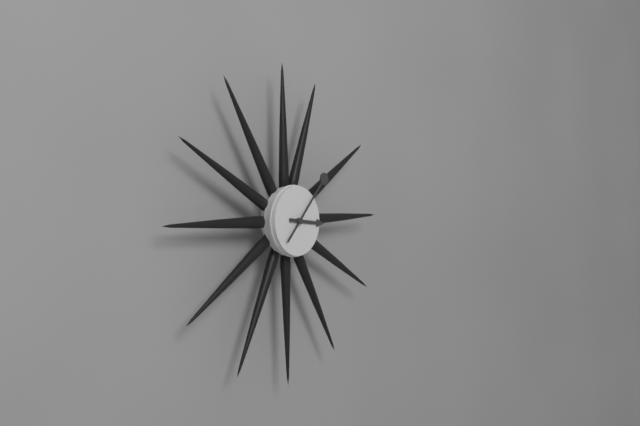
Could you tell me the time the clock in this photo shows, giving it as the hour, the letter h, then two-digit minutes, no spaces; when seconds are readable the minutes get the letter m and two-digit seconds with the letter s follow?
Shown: 3h07
